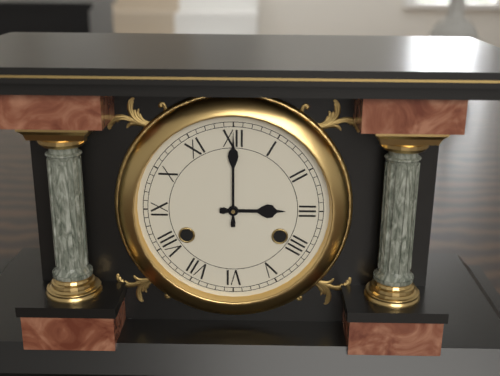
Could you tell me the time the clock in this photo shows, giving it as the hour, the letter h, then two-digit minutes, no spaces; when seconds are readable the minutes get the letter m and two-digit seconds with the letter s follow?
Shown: 3h00
